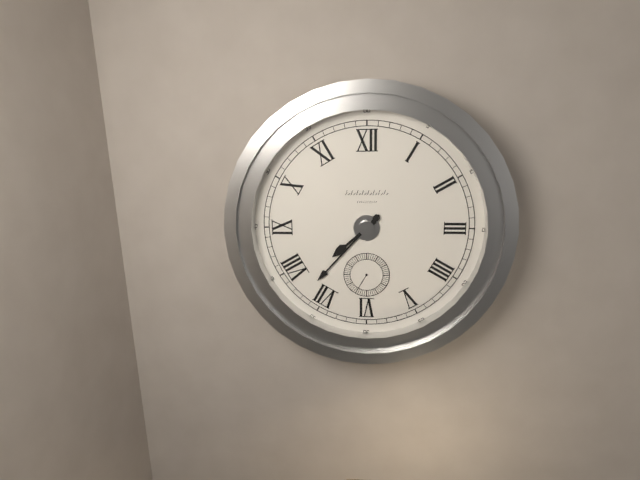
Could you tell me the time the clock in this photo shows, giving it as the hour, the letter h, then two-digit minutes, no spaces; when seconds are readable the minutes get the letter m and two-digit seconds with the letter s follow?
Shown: 7h37
